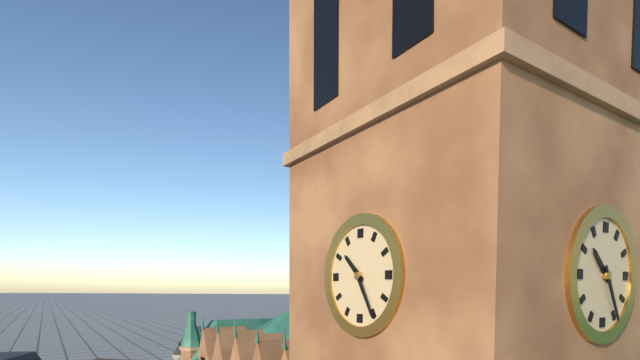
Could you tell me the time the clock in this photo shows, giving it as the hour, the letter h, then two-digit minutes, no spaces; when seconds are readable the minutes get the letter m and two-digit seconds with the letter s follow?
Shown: 10h25
